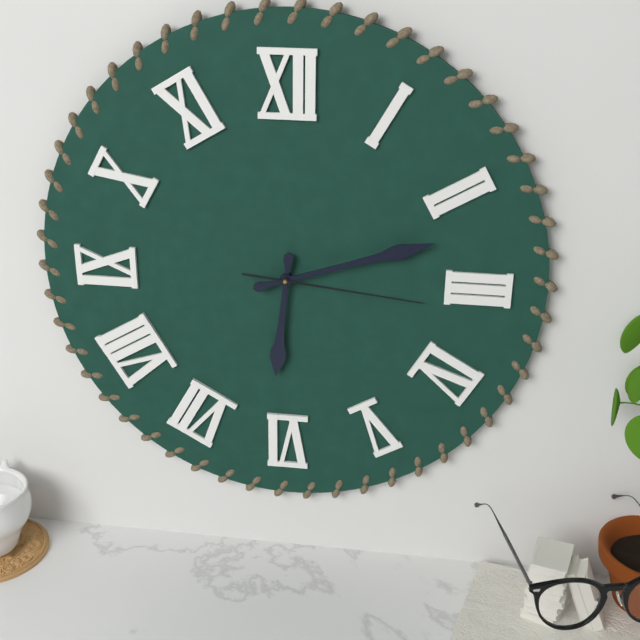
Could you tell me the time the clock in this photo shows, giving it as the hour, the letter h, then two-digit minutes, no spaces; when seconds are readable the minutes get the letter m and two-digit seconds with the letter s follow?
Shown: 6h12m16s
